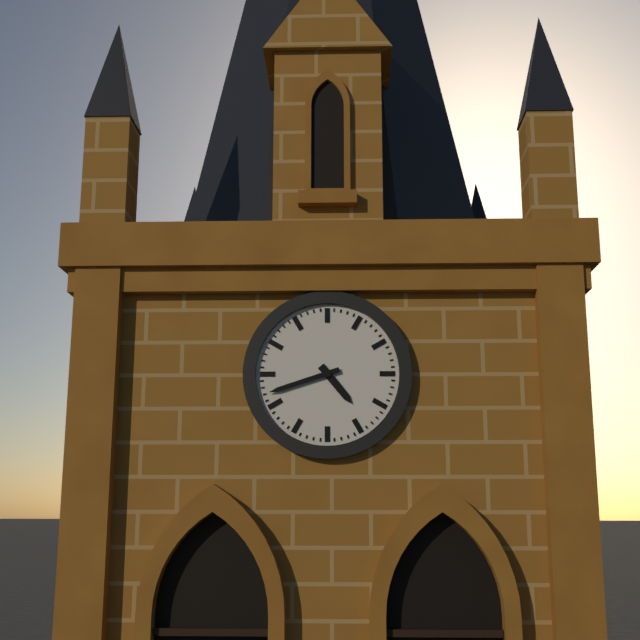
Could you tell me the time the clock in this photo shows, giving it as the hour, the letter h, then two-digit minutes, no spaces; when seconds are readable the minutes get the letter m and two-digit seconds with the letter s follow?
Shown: 4h42
